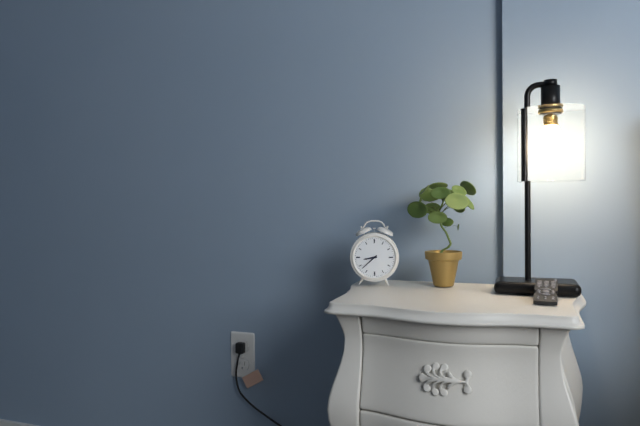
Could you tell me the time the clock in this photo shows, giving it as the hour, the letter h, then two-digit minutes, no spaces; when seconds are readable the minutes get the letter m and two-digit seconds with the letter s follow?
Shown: 8h38
